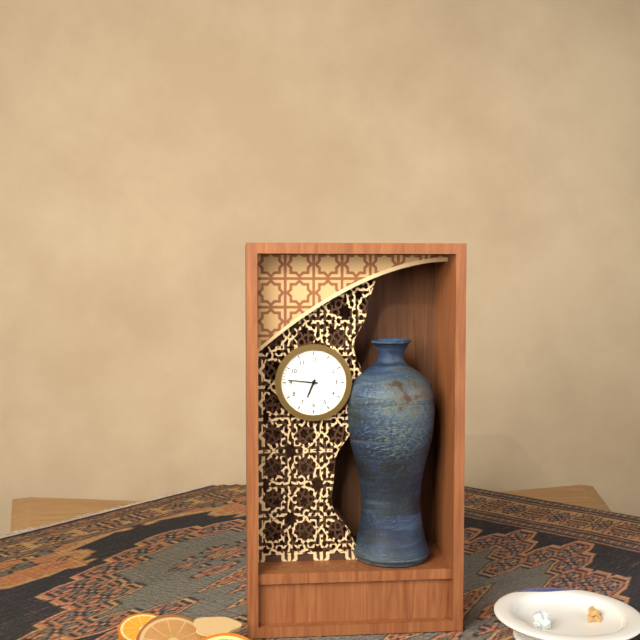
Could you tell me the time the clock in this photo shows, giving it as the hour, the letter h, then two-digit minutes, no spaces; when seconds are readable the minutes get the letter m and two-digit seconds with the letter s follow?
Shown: 6h46
